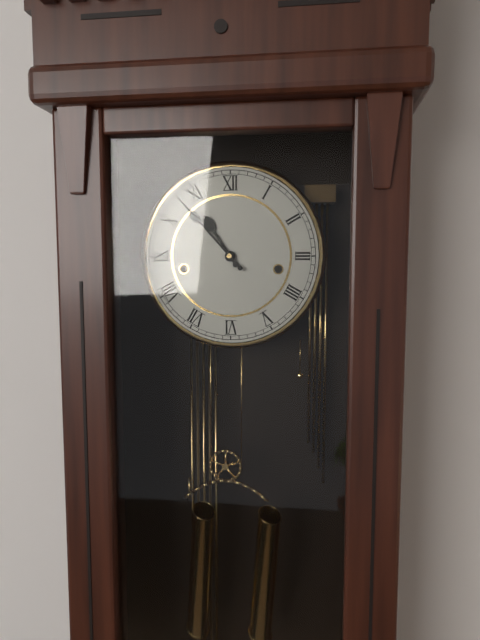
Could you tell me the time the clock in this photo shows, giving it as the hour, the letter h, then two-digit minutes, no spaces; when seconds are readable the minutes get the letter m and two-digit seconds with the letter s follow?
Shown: 10h53
